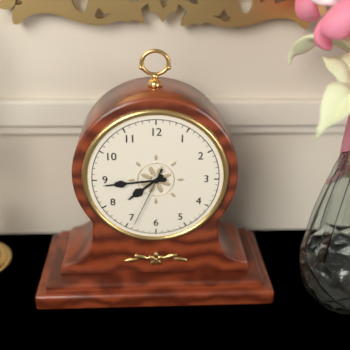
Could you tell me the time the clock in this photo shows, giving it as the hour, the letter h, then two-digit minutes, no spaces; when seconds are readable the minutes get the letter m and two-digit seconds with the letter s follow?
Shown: 7h44m34s
